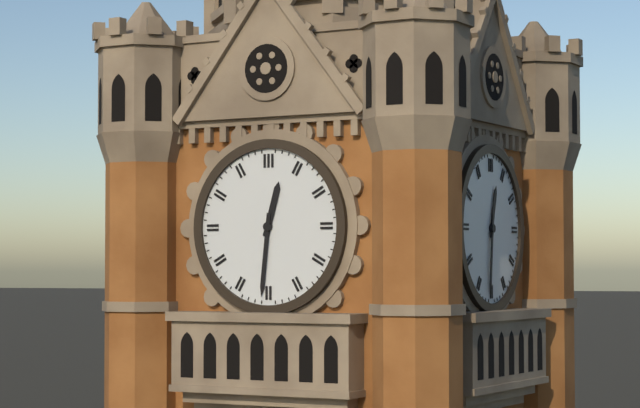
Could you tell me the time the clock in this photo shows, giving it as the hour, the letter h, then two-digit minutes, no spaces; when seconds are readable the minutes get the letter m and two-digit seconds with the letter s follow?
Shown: 12h31
